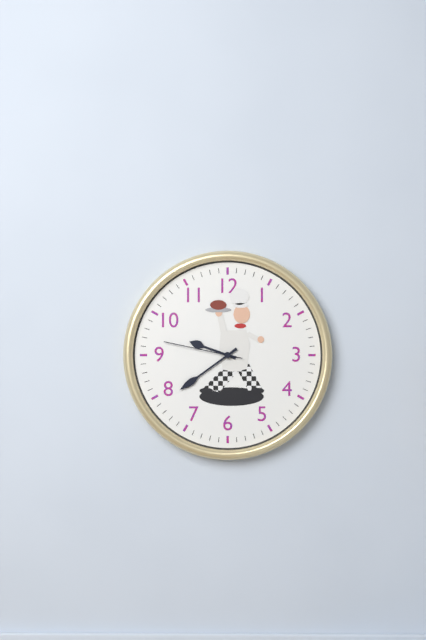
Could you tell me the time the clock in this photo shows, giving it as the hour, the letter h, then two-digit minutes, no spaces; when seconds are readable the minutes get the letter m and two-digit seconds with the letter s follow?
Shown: 9h39m47s
